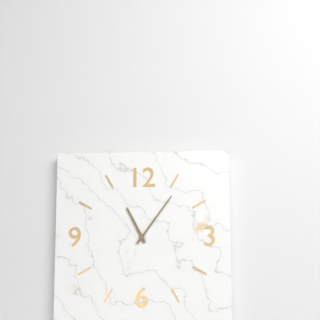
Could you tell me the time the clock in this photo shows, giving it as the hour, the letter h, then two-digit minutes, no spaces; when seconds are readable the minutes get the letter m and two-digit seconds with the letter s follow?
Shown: 11h06
